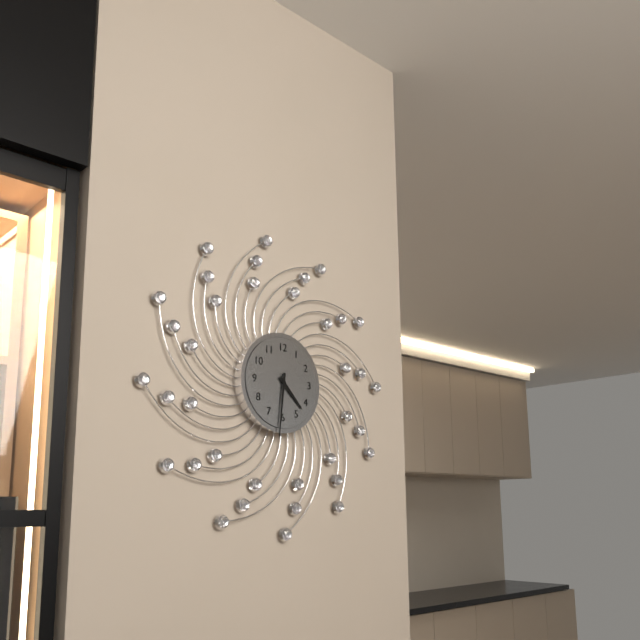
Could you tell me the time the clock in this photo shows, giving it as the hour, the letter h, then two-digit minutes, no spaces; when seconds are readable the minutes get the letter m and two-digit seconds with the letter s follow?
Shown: 4h31
